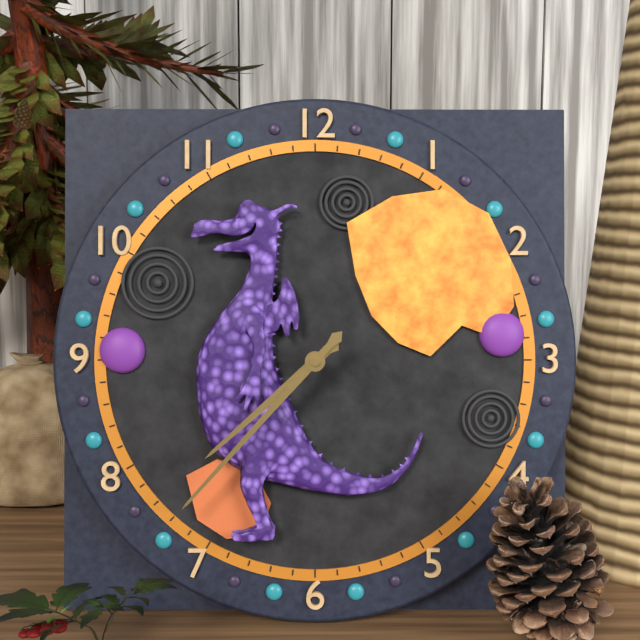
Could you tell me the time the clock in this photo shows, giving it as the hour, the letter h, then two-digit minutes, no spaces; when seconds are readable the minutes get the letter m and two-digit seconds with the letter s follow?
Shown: 7h37
